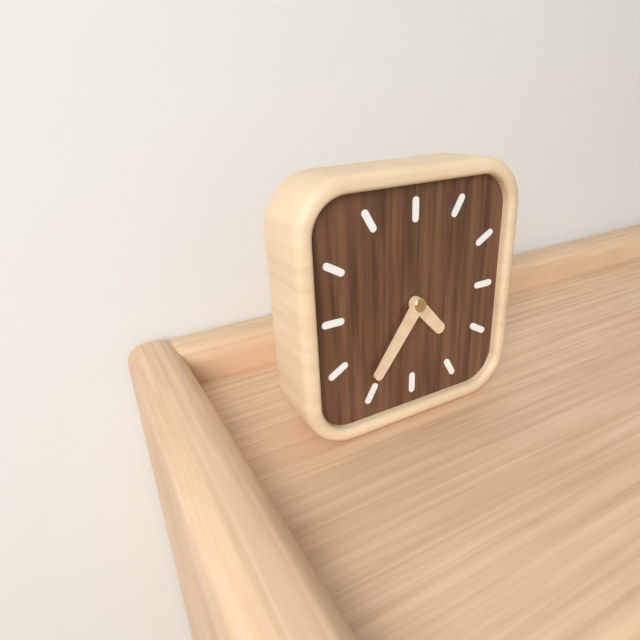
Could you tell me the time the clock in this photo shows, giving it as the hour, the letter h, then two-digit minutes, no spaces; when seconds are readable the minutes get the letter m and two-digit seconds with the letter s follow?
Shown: 4h36
